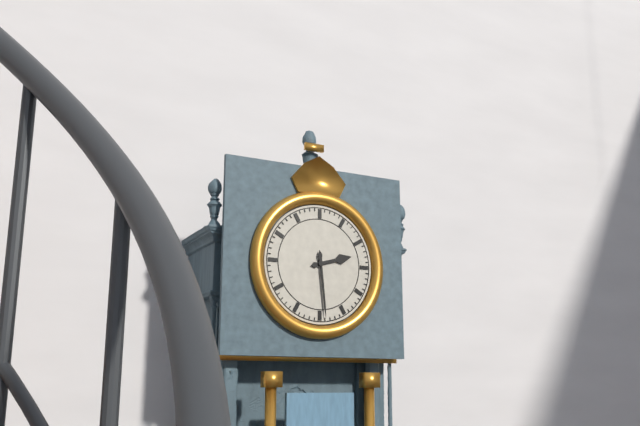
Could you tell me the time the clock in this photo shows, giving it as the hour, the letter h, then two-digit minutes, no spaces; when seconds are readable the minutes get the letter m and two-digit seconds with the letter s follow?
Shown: 2h29
